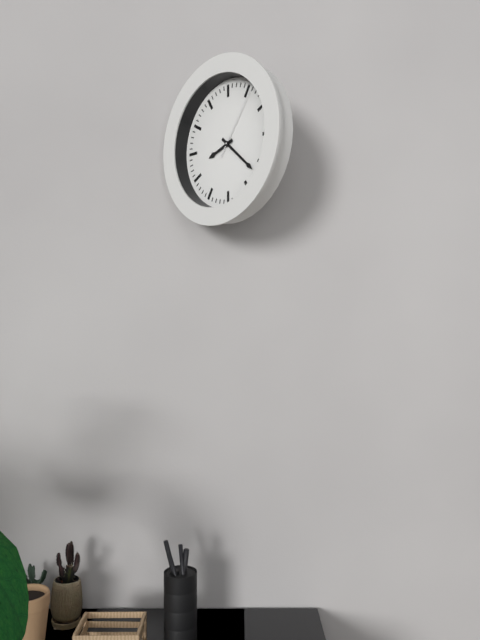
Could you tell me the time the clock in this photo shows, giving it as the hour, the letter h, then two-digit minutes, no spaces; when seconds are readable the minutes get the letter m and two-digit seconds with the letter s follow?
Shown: 8h22m06s
